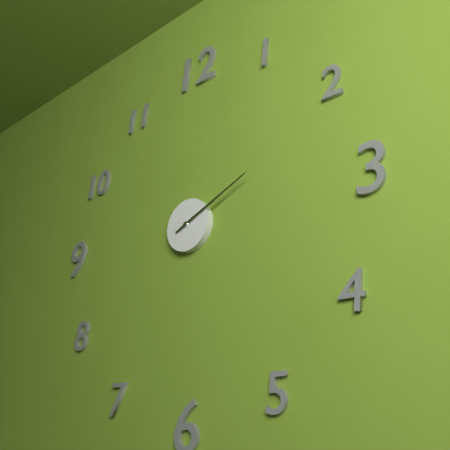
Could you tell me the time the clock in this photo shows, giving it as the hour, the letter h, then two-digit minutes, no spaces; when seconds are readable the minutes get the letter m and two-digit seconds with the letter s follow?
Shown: 2h11
